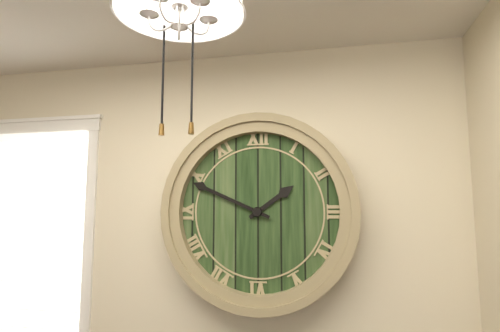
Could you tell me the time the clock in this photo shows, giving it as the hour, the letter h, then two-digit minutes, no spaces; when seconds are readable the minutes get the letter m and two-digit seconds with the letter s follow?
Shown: 1h49
